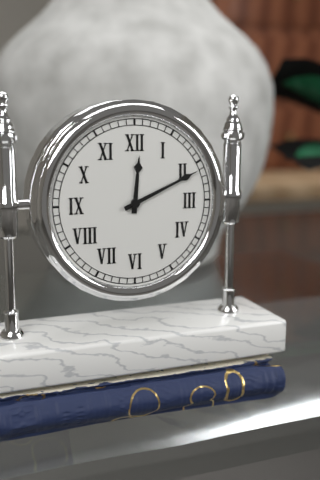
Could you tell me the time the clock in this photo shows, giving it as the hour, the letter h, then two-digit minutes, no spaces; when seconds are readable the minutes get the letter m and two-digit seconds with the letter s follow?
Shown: 12h11
